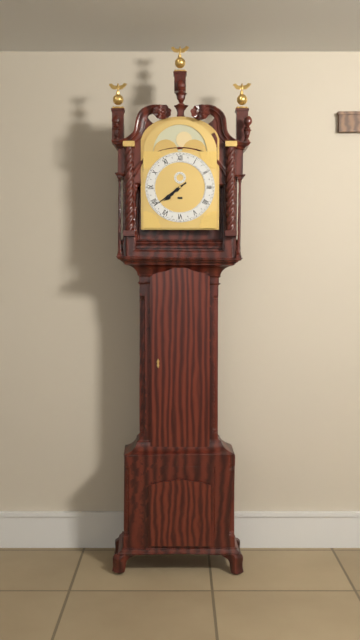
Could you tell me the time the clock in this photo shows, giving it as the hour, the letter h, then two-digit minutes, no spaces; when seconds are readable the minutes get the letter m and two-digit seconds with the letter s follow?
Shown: 7h39
